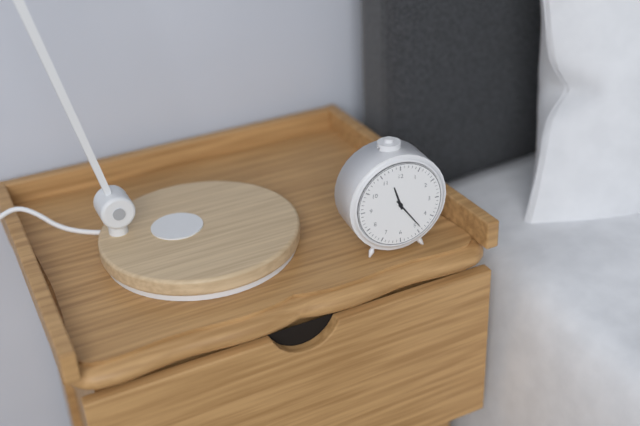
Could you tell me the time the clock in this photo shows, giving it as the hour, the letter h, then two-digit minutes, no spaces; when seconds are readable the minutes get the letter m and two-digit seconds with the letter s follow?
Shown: 11h24
